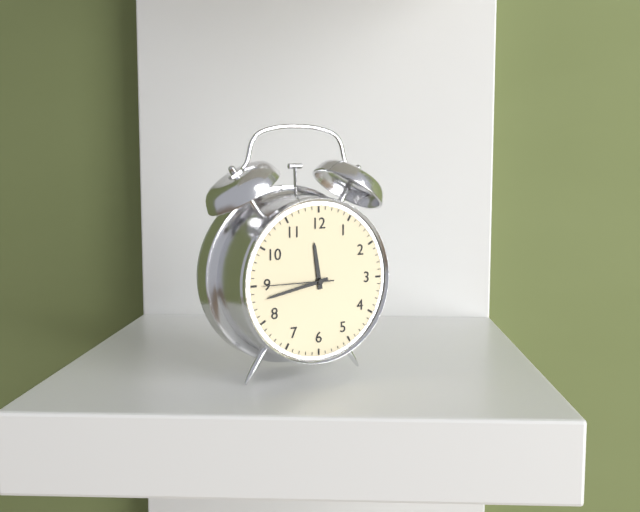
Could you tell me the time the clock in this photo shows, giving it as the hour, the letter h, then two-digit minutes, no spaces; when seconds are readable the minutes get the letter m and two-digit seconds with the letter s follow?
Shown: 11h43m45s
